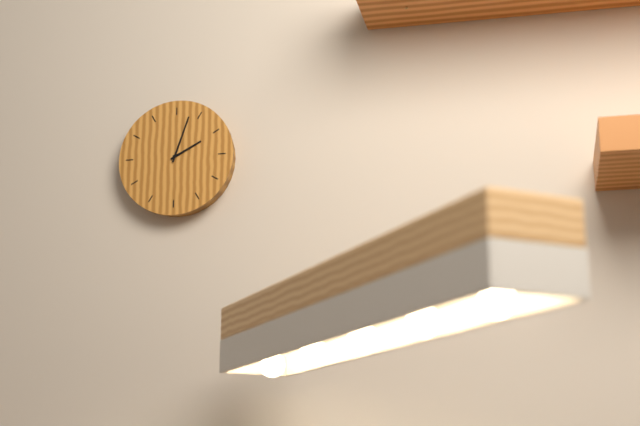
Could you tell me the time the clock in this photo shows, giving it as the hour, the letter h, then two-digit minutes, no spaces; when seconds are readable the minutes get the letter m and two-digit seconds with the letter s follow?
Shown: 2h03
